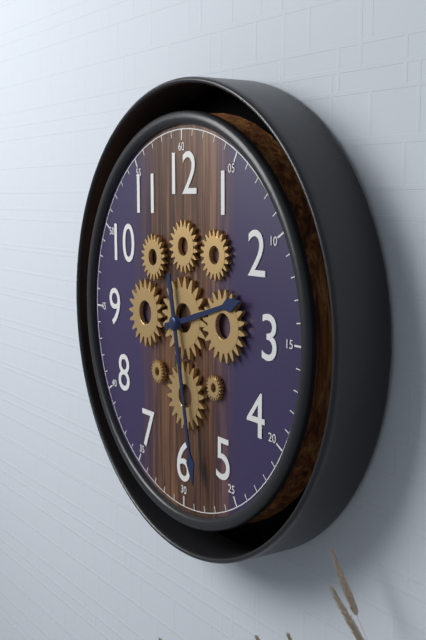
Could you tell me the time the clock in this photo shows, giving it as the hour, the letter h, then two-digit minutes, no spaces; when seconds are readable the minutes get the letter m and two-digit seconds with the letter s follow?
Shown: 2h28
